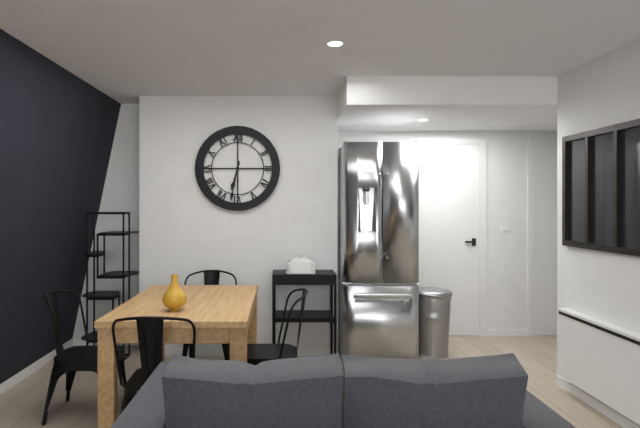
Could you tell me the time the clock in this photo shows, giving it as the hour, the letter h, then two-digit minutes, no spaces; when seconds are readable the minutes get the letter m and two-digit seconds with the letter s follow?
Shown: 6h32
